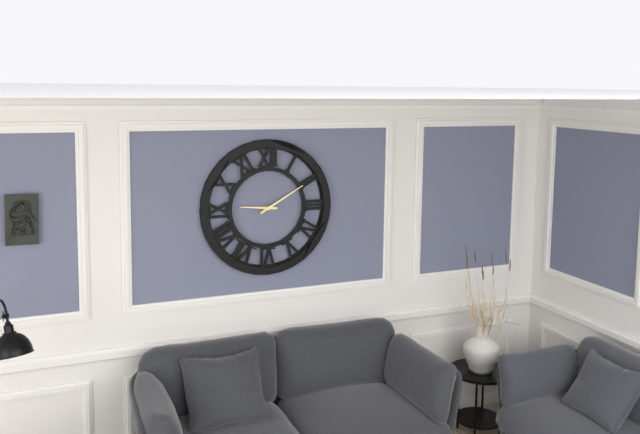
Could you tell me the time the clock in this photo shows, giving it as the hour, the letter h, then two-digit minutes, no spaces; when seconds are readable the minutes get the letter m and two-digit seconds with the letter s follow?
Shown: 9h10
